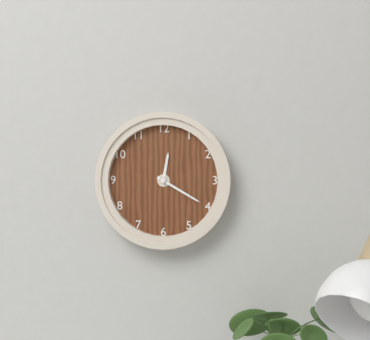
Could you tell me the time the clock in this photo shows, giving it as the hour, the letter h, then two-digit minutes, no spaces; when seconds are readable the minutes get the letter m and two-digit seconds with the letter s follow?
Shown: 12h20
